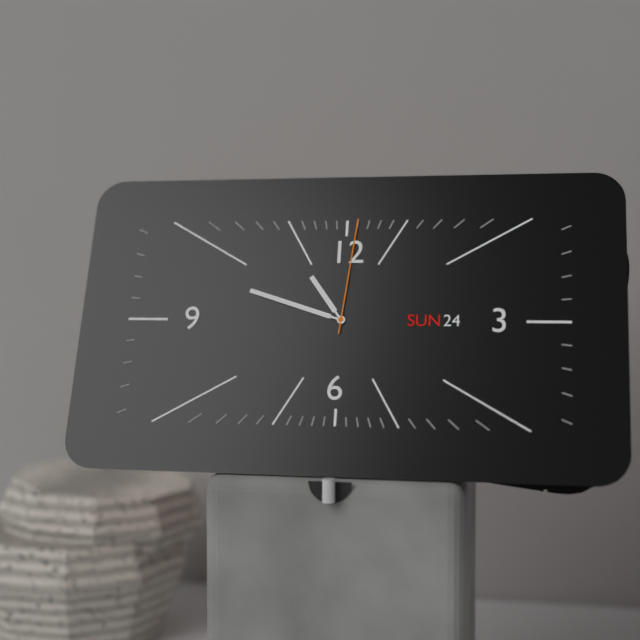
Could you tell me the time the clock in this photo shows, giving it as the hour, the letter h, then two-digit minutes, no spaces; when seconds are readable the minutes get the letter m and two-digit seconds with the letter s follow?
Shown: 10h48m01s
